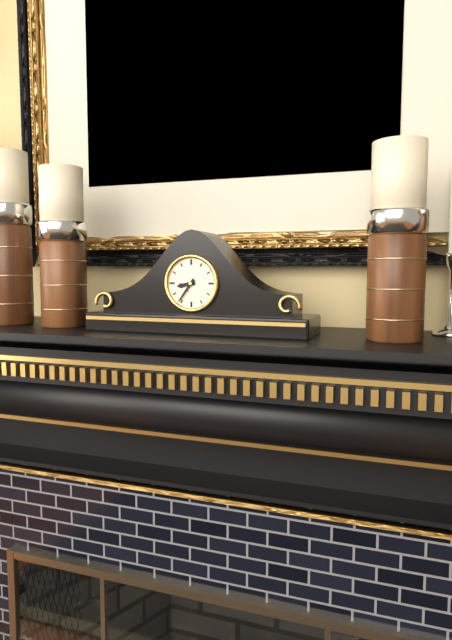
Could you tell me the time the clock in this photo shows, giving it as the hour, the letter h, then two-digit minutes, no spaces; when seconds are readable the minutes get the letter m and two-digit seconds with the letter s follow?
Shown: 8h36
